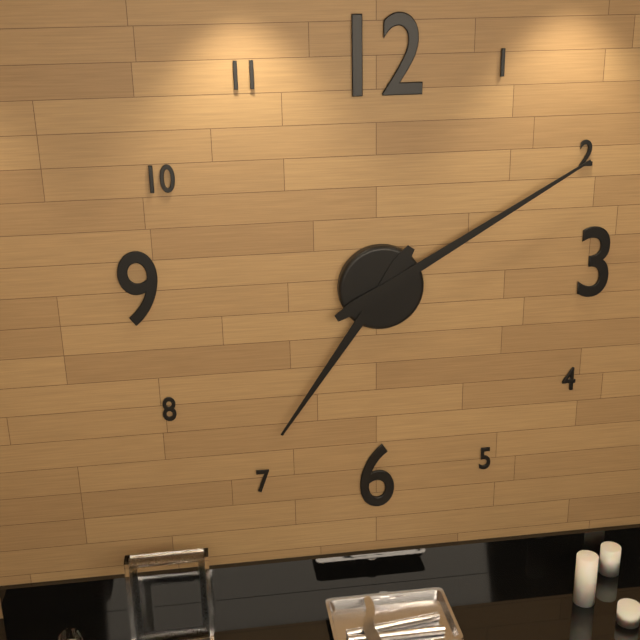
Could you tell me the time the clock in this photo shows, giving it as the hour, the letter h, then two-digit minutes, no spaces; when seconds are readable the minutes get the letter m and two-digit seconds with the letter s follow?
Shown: 7h10
